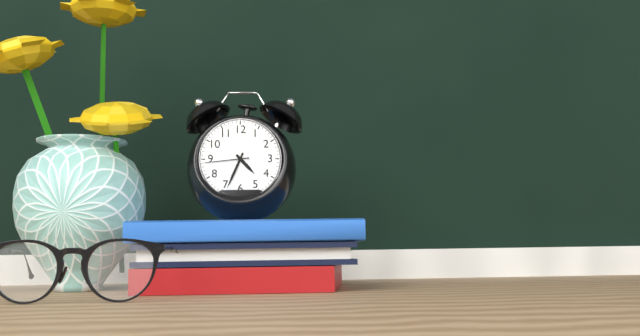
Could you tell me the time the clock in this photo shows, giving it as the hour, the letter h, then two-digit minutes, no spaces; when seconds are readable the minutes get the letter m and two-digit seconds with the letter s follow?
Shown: 4h34
